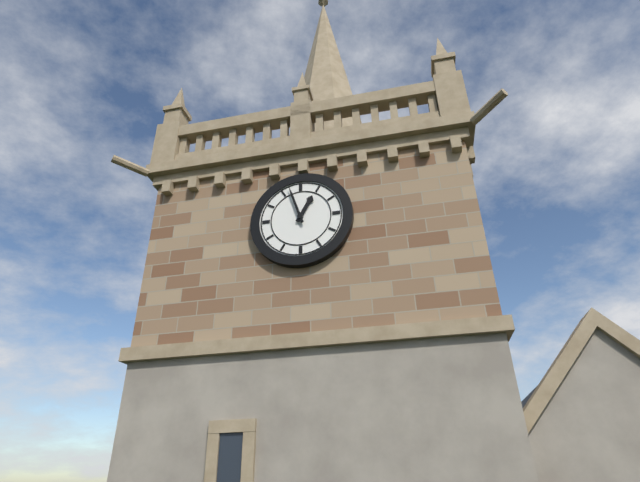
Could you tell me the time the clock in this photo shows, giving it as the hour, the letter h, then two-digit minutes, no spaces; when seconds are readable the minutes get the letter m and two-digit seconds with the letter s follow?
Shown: 12h57
